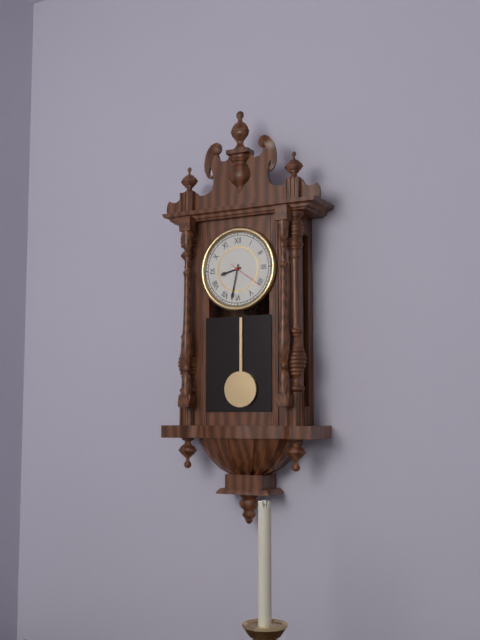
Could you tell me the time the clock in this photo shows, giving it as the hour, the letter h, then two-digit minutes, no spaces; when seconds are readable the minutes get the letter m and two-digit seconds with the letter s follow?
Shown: 8h32
